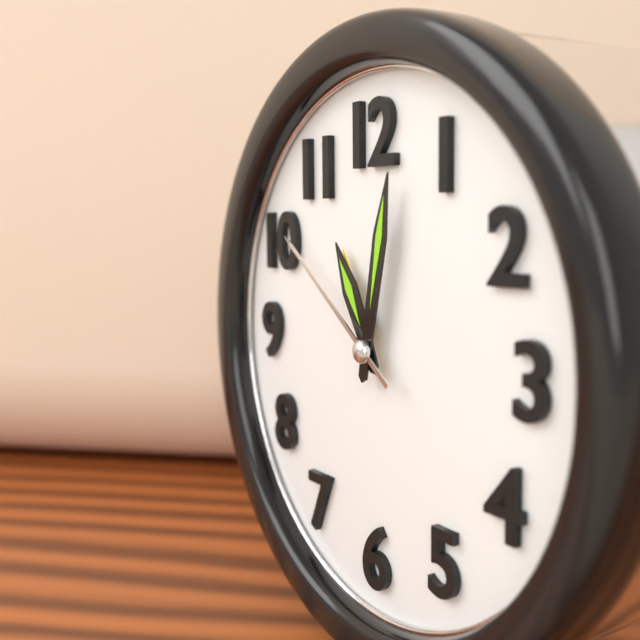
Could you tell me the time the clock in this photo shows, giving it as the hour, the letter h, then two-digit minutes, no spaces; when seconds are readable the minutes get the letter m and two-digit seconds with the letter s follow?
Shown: 11h02m51s
